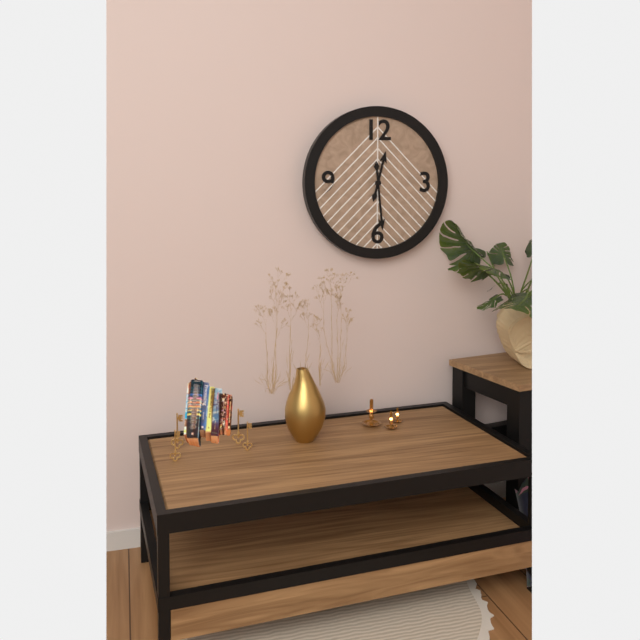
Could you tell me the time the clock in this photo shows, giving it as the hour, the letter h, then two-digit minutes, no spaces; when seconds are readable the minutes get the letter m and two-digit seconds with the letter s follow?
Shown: 12h29
